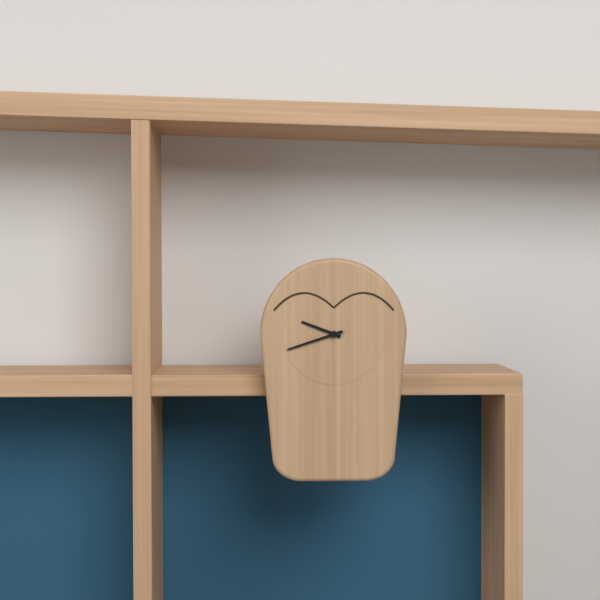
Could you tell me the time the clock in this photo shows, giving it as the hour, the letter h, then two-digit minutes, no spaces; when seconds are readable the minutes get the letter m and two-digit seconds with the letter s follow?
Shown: 9h42
